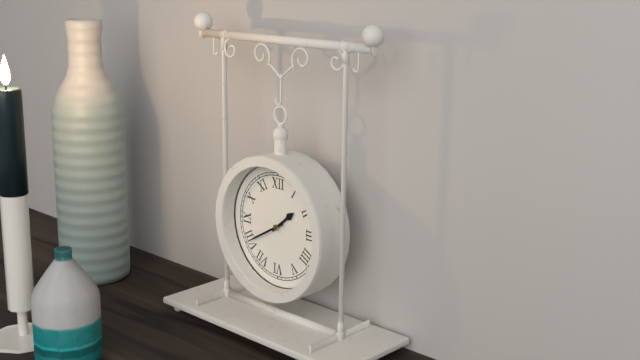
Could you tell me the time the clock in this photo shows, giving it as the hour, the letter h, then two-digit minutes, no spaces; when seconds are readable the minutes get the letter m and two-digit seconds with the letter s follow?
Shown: 1h40
